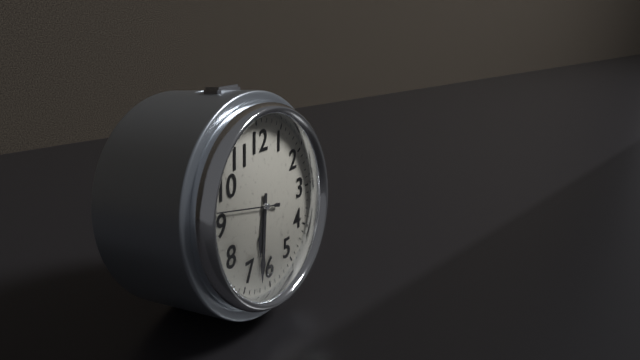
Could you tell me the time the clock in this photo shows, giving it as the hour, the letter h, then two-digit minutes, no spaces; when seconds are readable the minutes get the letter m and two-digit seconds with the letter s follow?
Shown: 6h32m47s
